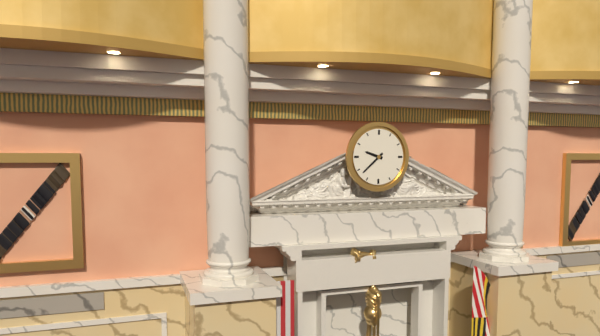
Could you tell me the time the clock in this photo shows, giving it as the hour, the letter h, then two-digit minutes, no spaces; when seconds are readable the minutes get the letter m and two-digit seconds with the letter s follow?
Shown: 9h38
